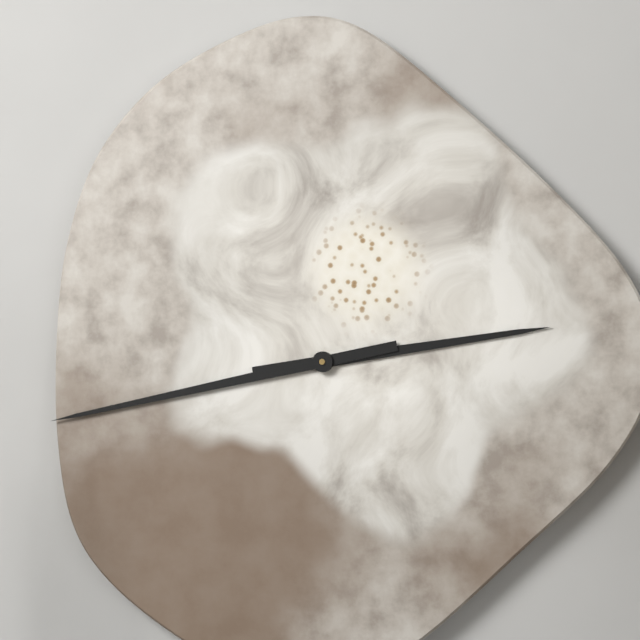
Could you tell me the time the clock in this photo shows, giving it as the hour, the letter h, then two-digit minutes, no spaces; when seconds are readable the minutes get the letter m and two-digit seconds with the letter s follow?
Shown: 2h43
